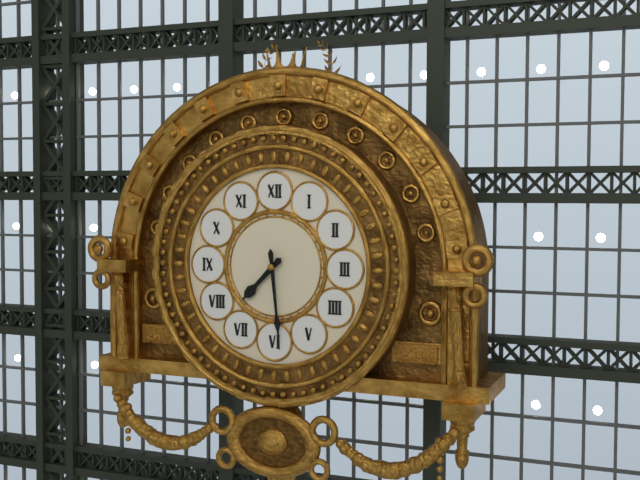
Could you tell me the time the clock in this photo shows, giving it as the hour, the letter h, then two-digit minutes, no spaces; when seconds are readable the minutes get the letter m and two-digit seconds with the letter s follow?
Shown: 7h29
